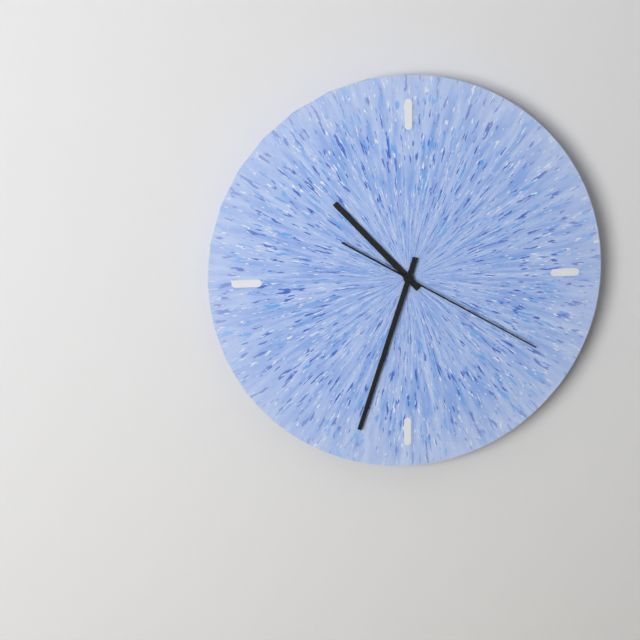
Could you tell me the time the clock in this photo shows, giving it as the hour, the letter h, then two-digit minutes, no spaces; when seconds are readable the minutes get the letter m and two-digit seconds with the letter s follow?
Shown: 10h33m20s
